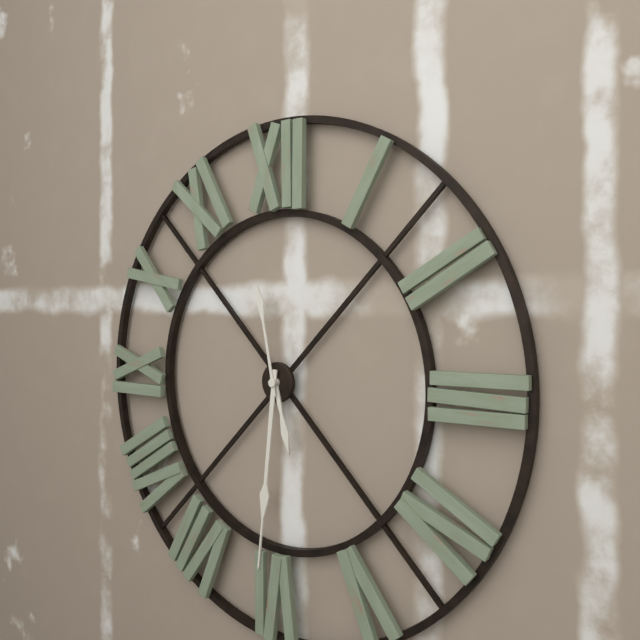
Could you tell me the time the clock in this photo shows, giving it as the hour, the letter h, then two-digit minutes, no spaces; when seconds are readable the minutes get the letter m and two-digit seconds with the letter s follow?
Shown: 5h31m58s
